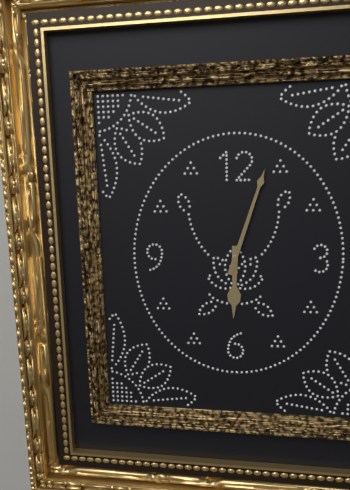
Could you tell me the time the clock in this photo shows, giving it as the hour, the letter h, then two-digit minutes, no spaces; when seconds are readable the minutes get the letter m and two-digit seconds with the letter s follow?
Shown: 6h03
